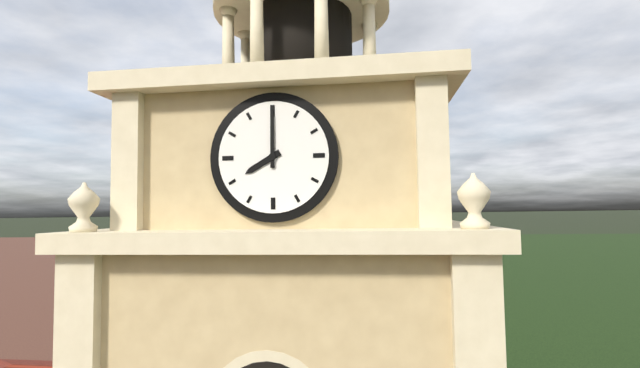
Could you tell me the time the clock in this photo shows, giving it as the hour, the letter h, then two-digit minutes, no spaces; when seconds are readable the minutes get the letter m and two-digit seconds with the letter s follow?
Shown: 8h00
